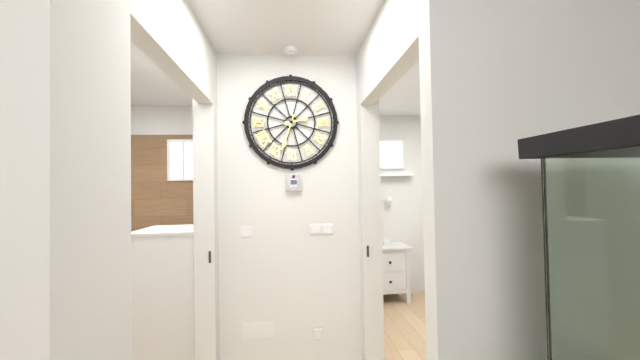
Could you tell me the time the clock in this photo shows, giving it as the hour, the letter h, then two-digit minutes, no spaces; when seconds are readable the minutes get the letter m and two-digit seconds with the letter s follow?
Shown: 2h33
